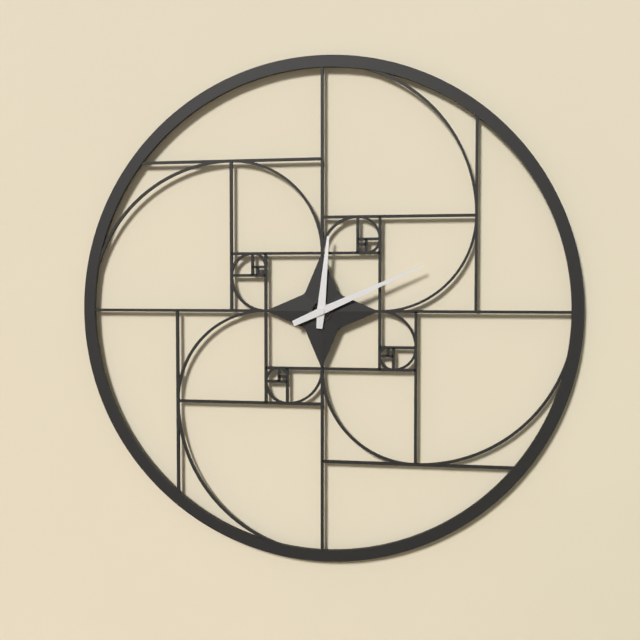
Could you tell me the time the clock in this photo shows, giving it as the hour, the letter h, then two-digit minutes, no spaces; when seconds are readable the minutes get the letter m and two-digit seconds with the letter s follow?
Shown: 12h11
